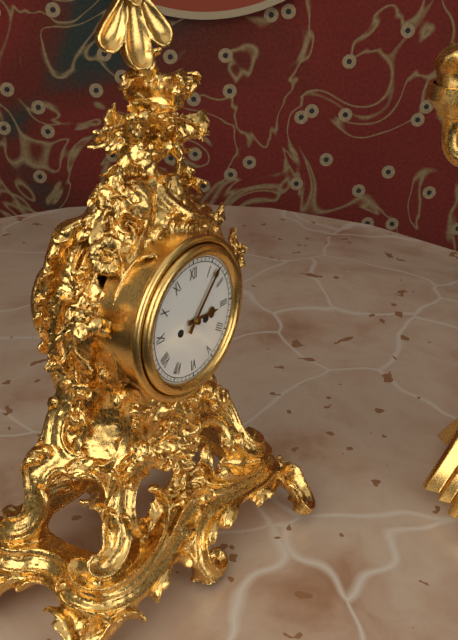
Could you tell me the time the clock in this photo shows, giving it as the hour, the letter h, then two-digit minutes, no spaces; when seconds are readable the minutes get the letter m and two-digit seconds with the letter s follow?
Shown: 3h07
